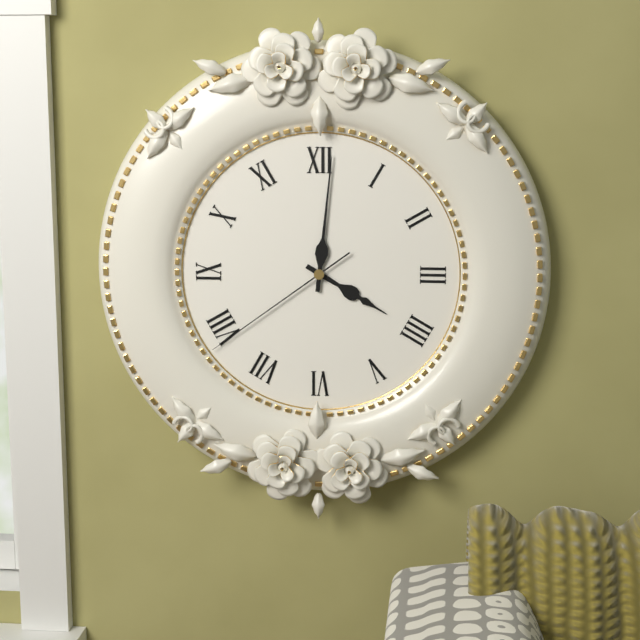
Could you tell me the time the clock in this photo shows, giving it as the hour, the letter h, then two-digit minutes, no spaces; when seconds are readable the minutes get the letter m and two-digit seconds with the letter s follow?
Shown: 4h01m39s
